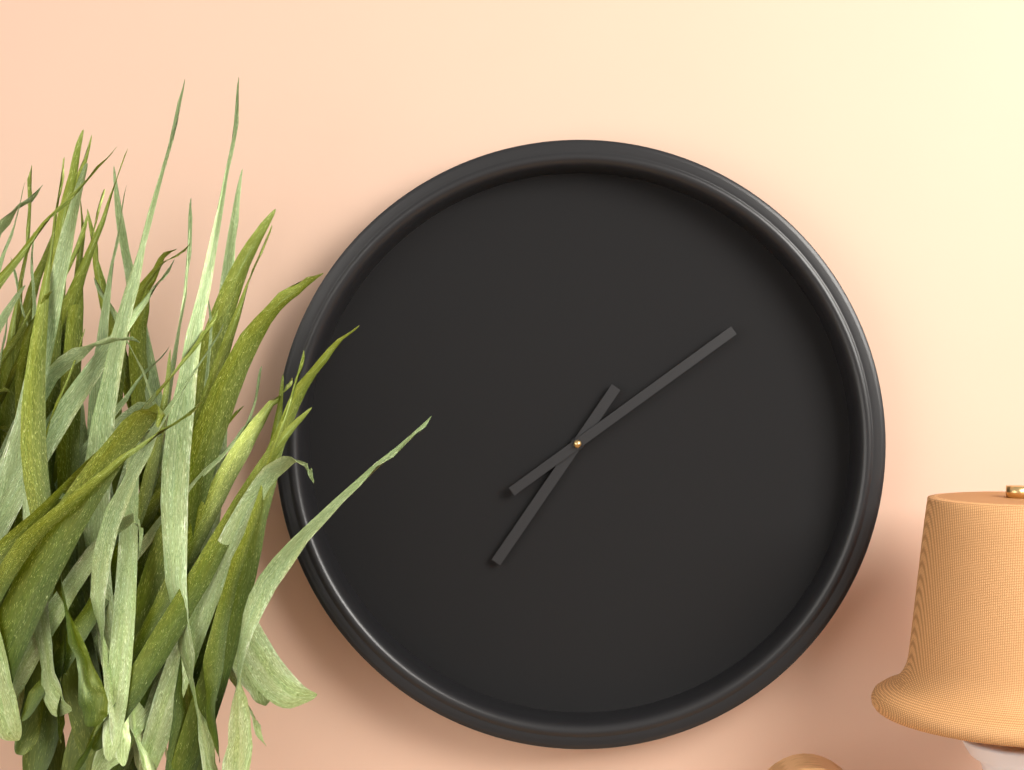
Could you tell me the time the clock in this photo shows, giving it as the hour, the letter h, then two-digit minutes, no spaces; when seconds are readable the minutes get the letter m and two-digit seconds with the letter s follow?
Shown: 7h09
